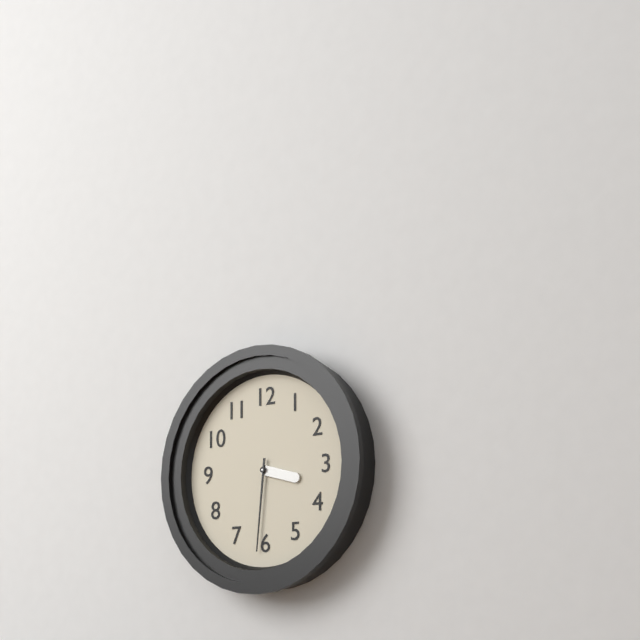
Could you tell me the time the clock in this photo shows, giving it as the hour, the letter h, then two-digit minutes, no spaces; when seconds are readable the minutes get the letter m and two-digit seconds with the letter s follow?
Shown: 3h31
